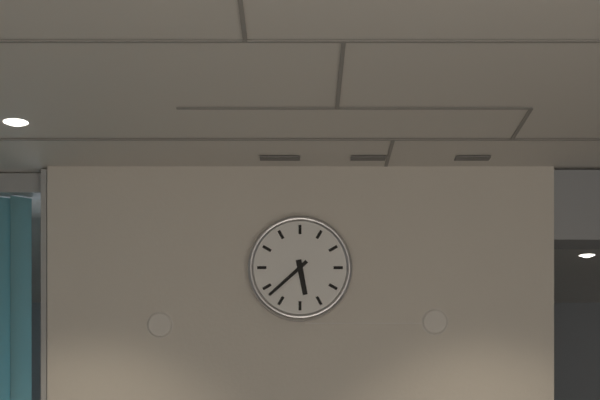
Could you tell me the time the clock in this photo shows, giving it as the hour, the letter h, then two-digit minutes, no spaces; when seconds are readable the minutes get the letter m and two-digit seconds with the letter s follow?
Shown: 5h38
